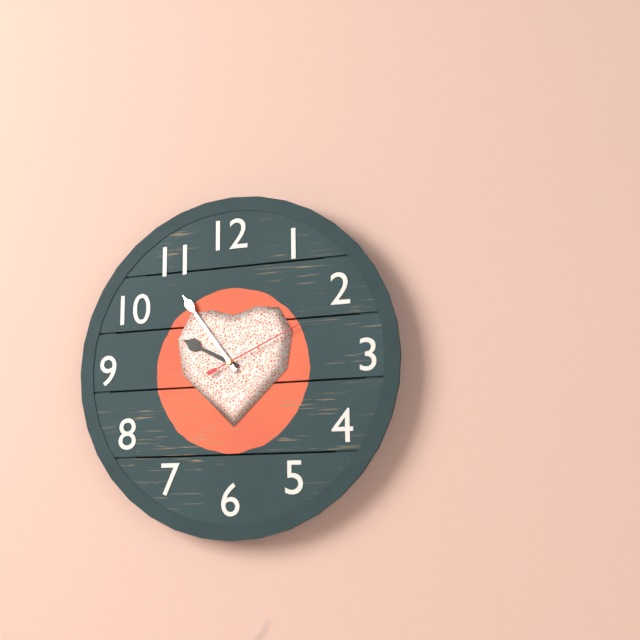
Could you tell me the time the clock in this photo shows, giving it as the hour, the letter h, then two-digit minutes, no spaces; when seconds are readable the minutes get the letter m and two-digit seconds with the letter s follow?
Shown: 9h54m11s
